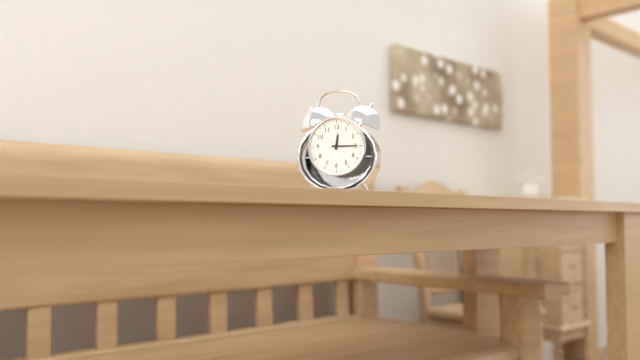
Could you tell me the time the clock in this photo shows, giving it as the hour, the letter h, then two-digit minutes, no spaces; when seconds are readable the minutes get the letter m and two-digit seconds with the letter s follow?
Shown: 12h15
